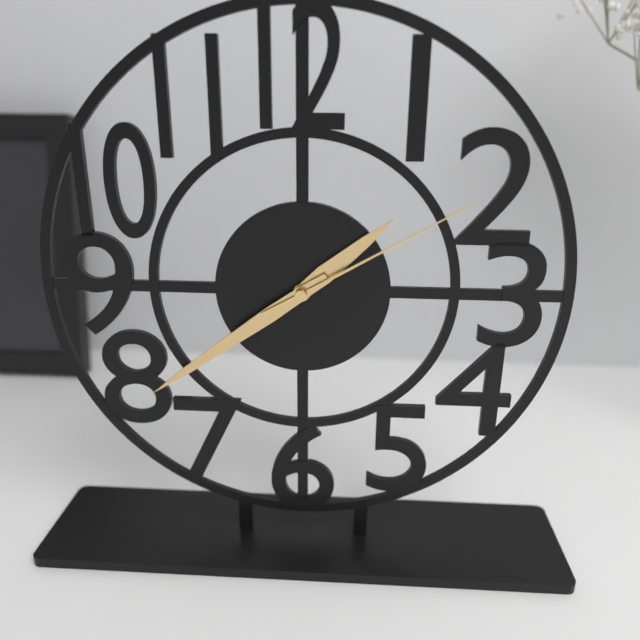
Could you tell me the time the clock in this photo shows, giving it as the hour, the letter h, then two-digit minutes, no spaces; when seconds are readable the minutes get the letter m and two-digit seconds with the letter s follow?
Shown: 1h39m10s
